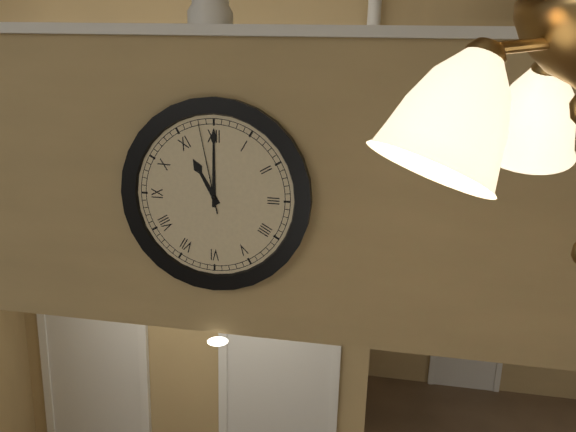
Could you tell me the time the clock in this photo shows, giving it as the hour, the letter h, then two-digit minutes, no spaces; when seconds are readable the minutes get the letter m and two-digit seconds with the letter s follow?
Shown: 11h00m58s
